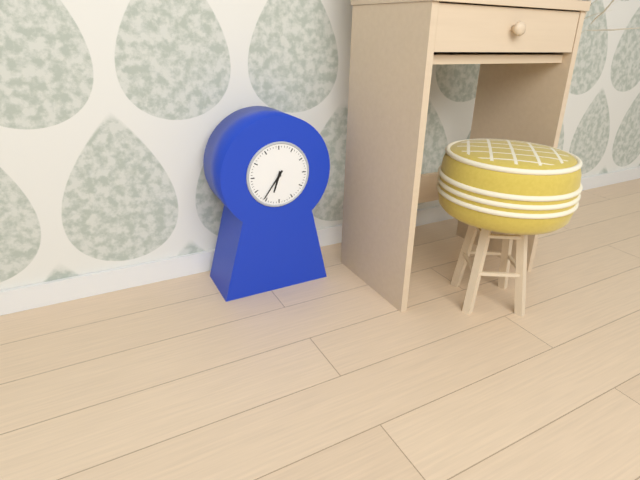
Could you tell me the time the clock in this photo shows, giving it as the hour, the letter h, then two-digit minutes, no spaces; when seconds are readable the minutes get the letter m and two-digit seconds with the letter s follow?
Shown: 6h36
